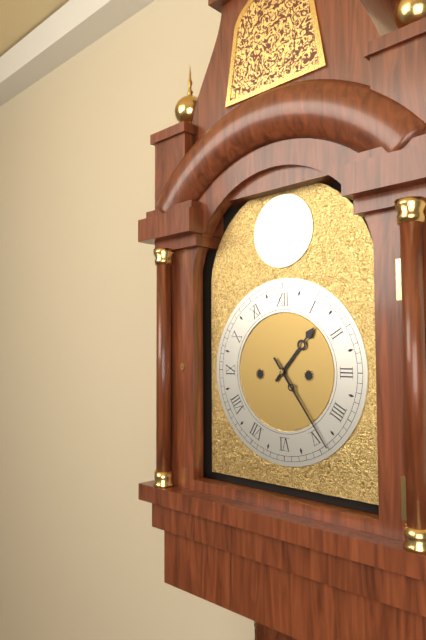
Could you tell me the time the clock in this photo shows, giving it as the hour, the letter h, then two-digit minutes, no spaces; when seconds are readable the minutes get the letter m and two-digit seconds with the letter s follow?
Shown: 1h24
